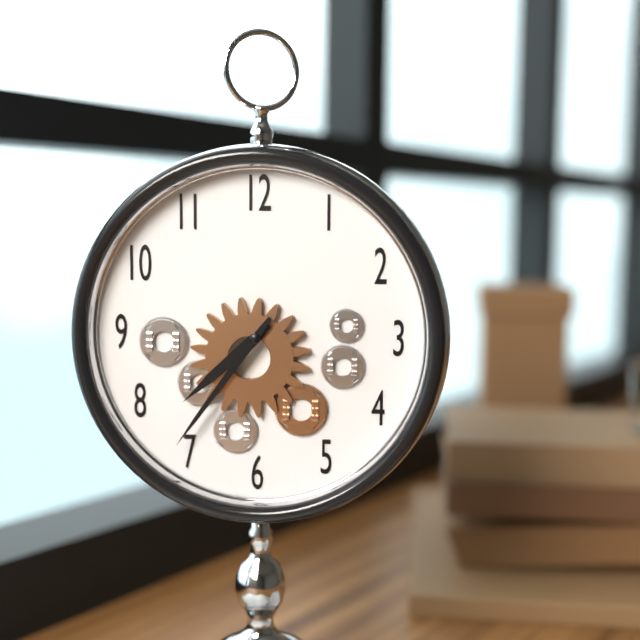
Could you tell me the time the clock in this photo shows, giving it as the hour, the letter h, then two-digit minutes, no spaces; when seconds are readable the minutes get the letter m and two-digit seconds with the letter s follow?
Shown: 7h36
